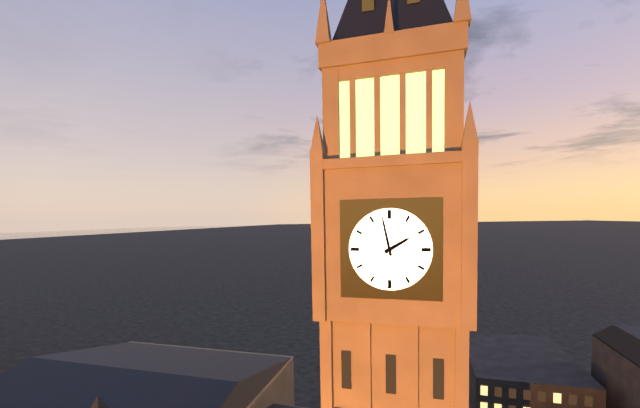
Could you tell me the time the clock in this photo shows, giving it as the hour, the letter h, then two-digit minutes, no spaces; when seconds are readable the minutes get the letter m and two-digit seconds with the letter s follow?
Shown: 1h58
